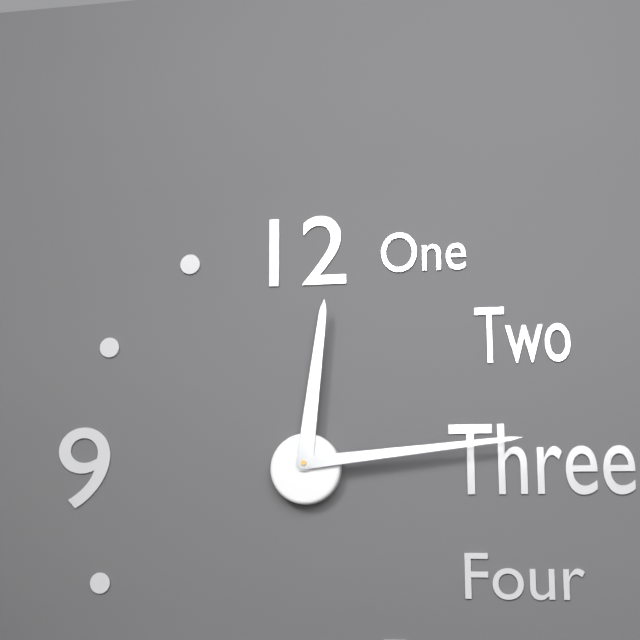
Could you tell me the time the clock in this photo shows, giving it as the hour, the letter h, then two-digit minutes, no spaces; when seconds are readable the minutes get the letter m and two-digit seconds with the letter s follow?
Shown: 12h14
